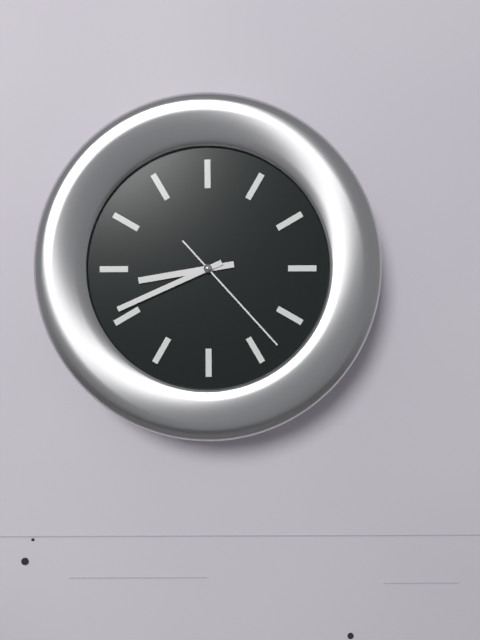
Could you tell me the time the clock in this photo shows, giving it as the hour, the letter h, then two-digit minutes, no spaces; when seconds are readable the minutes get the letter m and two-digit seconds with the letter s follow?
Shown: 8h41m23s
